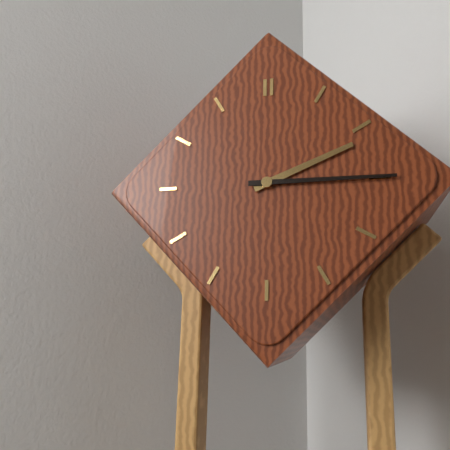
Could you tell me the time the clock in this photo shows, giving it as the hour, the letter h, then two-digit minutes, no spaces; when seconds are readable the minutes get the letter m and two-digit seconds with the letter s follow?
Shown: 2h15
